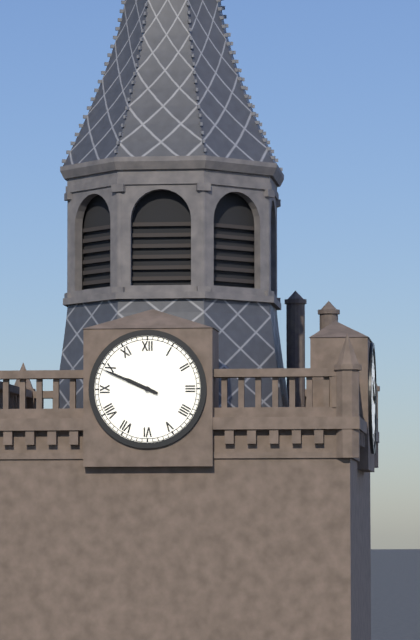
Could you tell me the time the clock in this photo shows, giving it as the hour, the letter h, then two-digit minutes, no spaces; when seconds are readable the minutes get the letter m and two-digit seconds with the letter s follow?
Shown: 9h49
